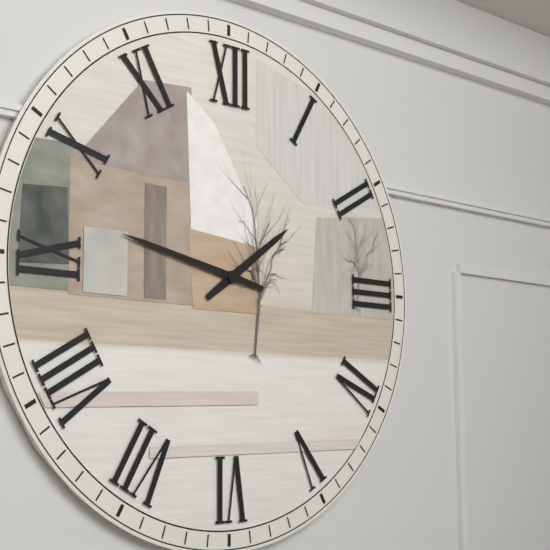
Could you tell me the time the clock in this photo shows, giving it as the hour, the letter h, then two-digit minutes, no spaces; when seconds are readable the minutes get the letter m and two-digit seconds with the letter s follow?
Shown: 1h47
